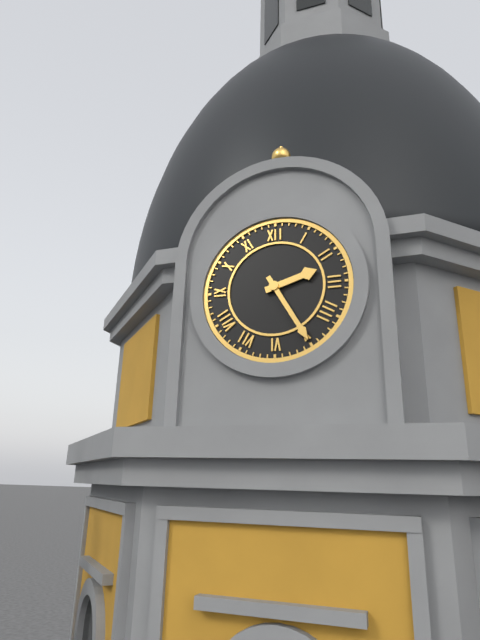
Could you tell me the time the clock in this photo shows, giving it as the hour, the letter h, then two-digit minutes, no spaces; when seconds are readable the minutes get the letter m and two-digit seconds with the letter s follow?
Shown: 2h25
